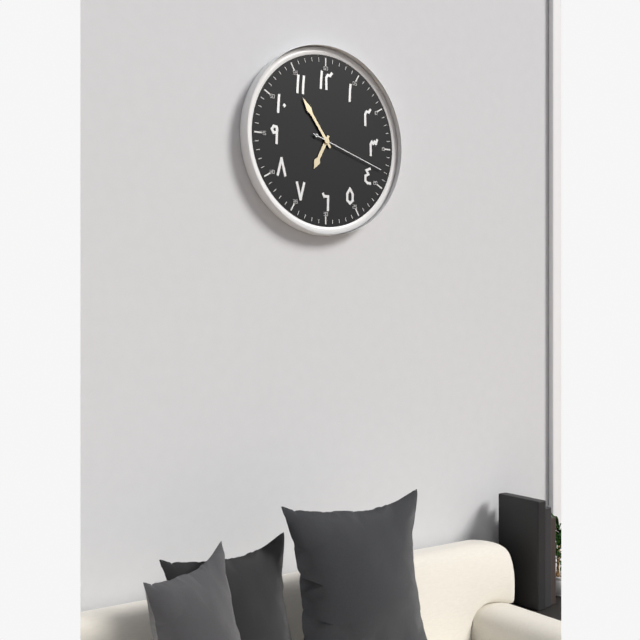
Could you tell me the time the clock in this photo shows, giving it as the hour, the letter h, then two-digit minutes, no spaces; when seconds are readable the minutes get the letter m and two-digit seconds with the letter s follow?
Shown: 6h54m18s
